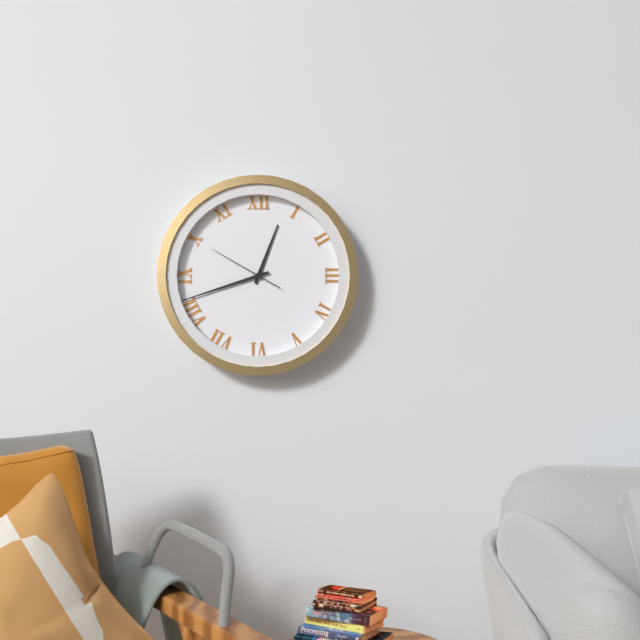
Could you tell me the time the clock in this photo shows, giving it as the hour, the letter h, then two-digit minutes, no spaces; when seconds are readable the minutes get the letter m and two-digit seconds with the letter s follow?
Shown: 12h42m50s
